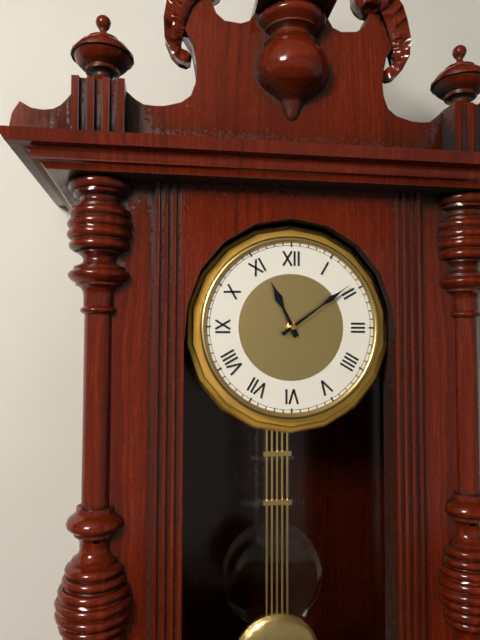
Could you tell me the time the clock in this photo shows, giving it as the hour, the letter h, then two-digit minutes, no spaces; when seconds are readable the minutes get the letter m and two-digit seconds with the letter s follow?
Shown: 11h09
